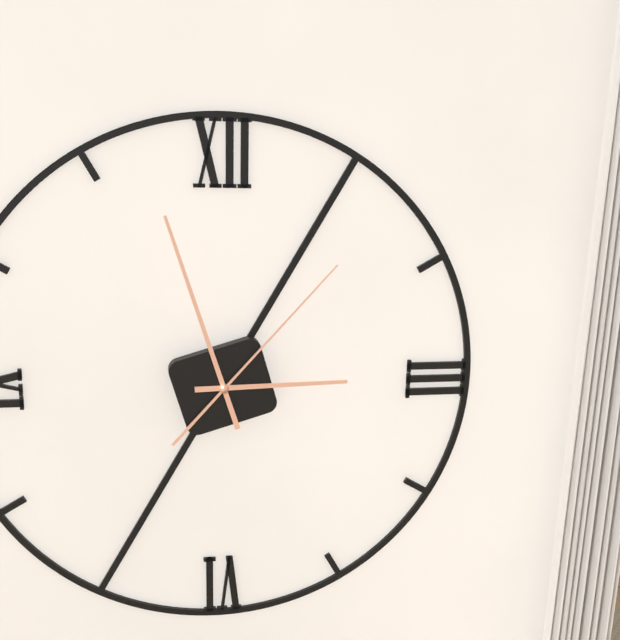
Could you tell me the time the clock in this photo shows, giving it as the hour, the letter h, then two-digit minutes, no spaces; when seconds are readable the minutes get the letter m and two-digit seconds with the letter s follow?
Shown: 2h57m07s
